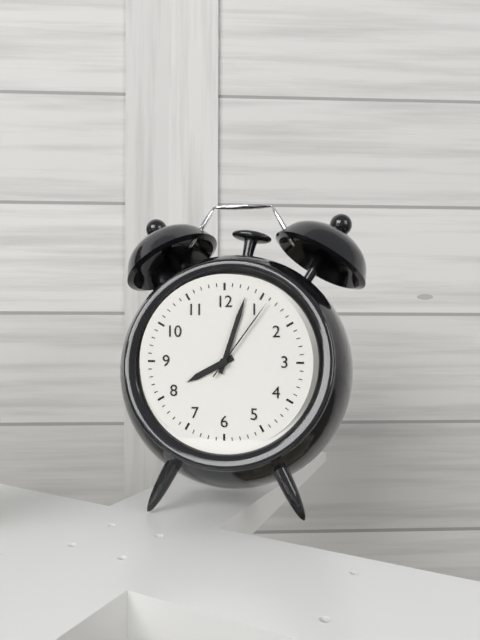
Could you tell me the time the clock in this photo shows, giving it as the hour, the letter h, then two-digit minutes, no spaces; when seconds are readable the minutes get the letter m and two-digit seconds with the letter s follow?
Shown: 8h03m06s
